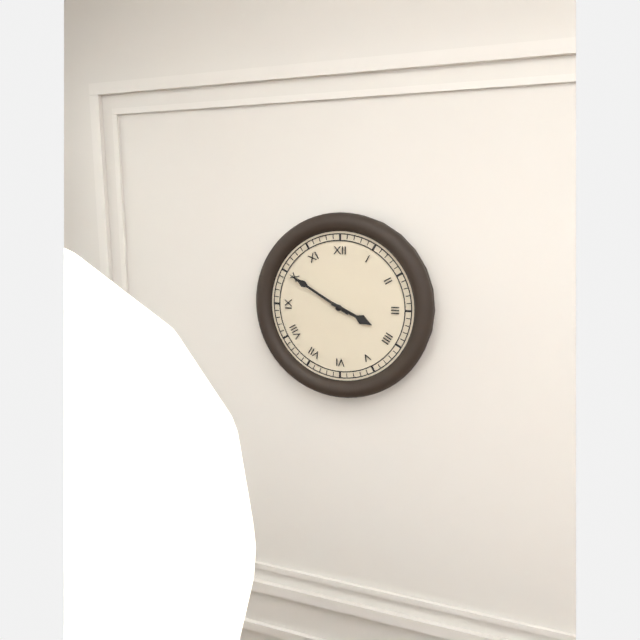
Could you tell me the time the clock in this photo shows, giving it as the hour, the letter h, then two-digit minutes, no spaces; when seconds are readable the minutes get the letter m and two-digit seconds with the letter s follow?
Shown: 3h50
